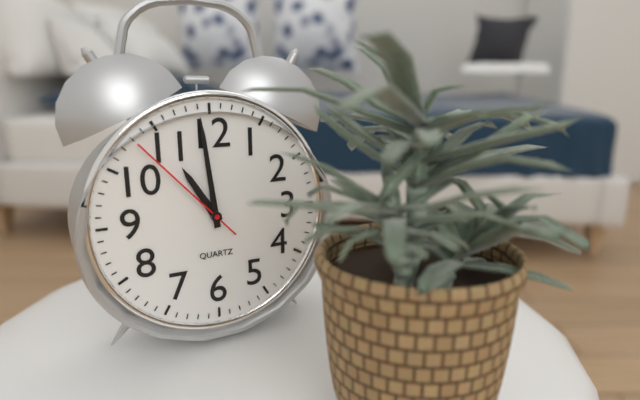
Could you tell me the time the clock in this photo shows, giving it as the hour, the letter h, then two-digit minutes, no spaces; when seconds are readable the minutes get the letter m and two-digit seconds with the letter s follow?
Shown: 10h59m53s
